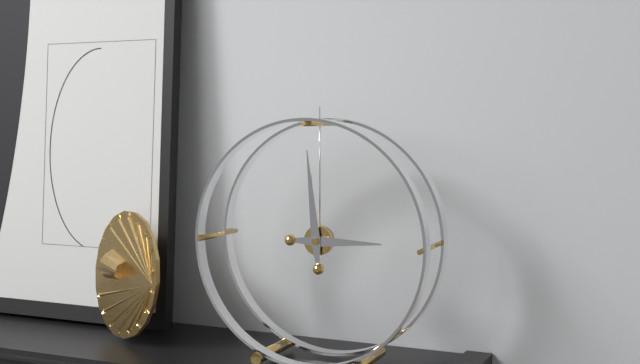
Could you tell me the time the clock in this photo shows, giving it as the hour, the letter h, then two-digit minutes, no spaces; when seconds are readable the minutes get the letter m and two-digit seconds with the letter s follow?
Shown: 2h59
